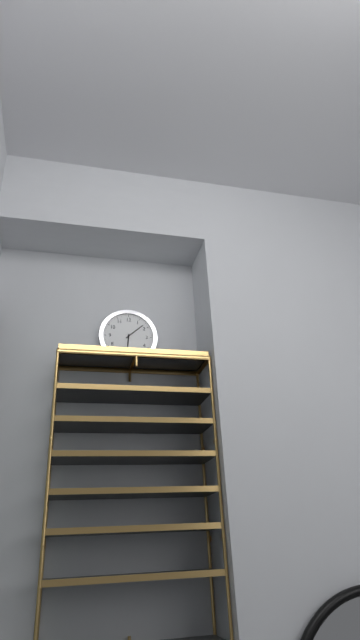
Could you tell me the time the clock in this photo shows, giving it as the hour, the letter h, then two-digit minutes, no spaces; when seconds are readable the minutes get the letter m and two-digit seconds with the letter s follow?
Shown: 6h08
